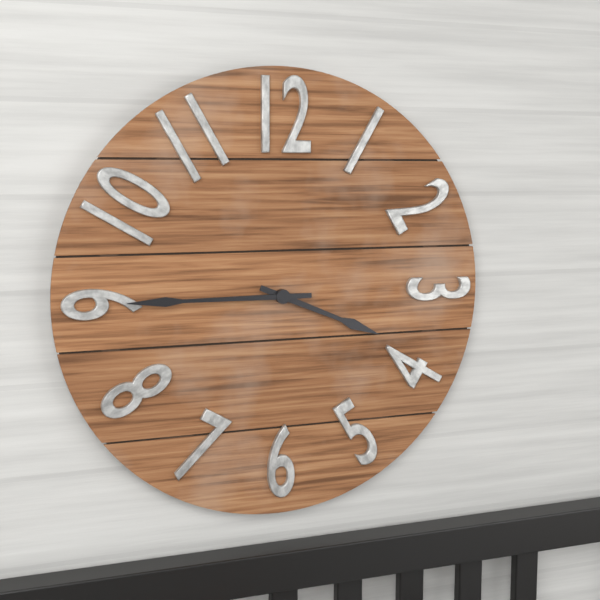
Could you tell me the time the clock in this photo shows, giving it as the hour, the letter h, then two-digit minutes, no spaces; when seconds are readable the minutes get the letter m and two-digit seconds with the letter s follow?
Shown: 3h45
